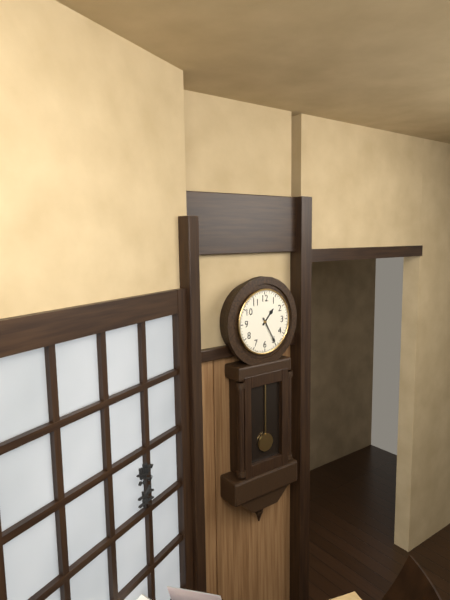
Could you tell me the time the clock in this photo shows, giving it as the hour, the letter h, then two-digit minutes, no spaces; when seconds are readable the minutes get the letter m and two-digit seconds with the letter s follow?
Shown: 1h25
